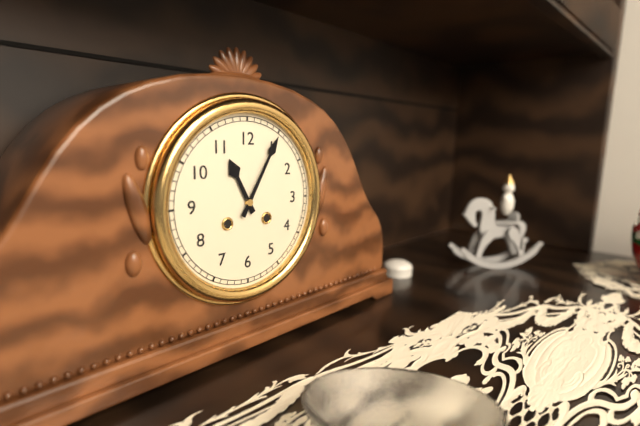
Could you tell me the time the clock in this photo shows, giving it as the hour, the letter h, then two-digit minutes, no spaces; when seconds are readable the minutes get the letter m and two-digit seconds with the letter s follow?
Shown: 11h05
